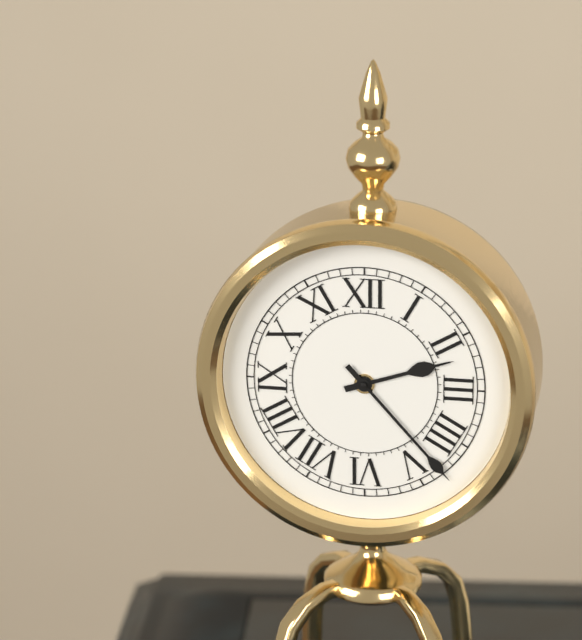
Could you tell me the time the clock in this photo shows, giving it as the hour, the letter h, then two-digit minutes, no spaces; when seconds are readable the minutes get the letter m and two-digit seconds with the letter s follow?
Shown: 2h23
